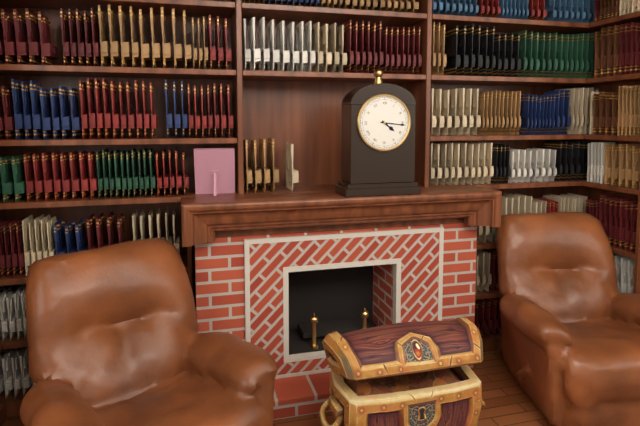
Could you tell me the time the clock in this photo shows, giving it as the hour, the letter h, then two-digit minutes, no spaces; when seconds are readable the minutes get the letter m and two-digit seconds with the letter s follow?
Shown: 4h16
